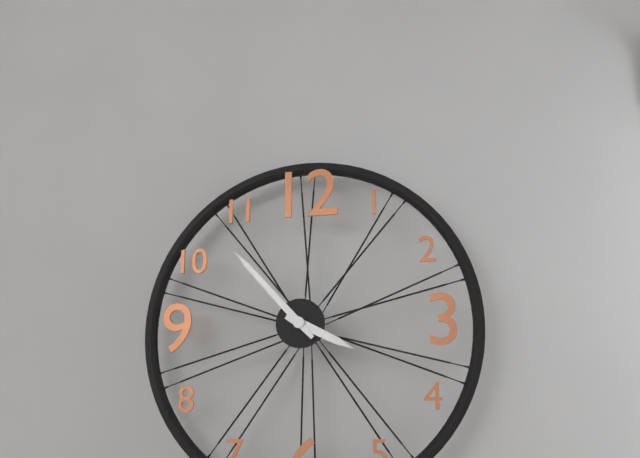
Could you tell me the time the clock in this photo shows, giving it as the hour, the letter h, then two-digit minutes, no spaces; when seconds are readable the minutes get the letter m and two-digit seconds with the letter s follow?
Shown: 3h53
